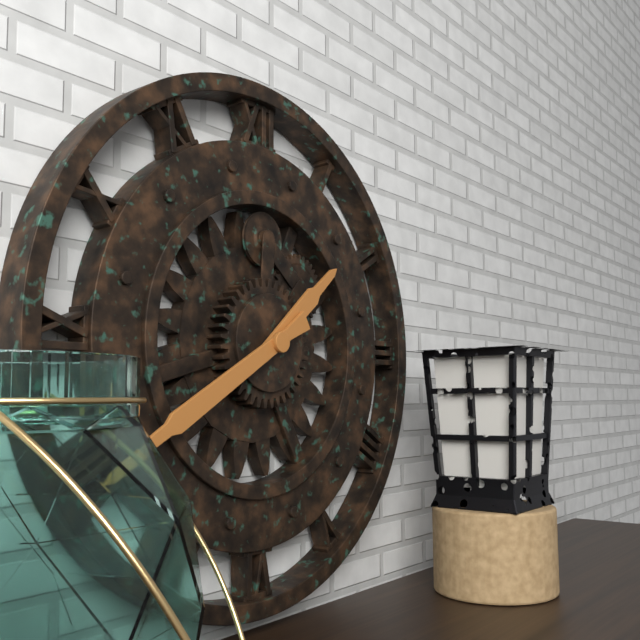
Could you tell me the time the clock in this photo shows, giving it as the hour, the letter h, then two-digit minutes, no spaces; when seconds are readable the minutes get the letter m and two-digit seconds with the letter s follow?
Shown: 1h40
